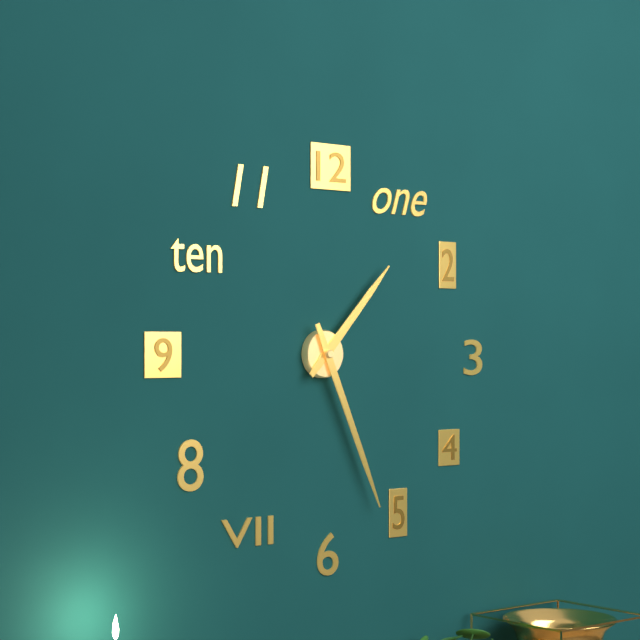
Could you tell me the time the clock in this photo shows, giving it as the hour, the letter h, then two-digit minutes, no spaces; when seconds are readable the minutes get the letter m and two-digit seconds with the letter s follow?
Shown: 1h26
